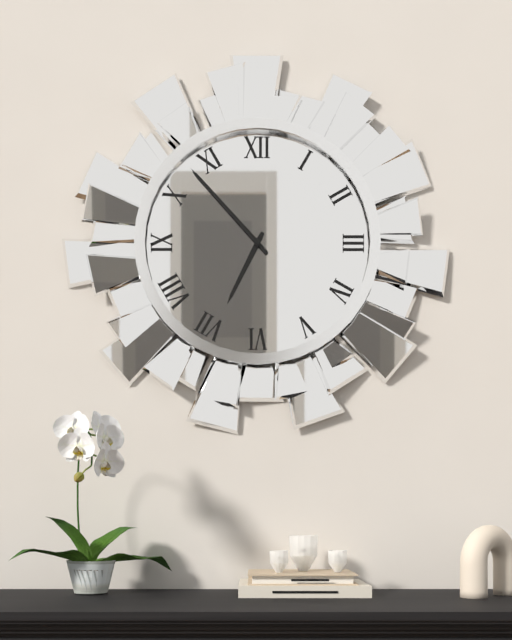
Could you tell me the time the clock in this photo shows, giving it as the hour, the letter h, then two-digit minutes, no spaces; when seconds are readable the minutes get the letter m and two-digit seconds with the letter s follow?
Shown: 6h53
